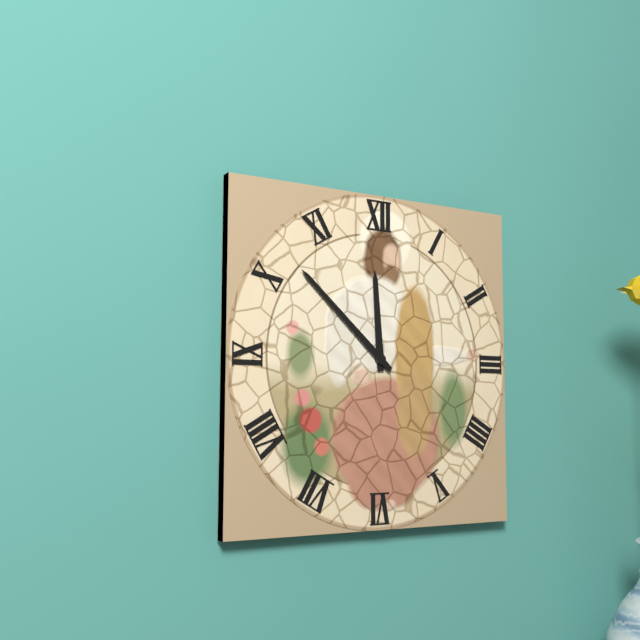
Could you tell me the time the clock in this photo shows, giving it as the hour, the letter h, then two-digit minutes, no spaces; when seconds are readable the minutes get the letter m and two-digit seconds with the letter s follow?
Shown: 11h52
